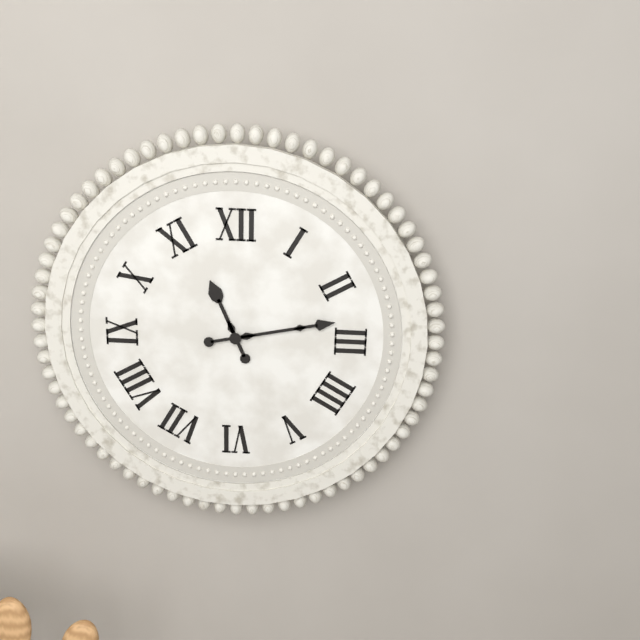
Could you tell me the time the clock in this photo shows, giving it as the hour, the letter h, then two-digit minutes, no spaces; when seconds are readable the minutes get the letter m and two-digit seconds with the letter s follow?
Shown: 11h13
